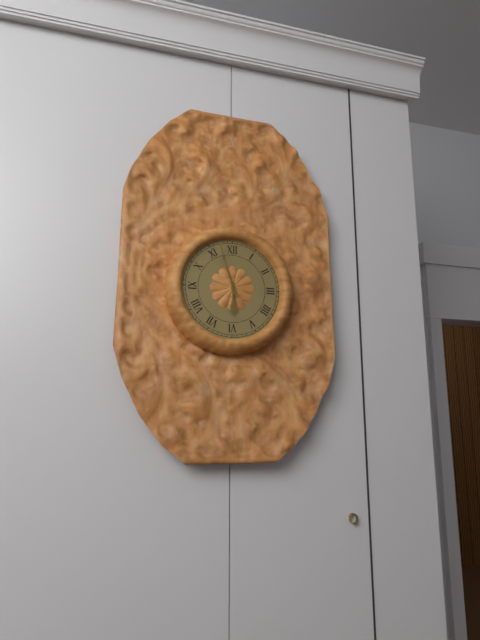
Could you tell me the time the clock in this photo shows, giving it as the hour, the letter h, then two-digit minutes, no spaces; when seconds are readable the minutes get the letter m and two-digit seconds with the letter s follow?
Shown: 5h57
